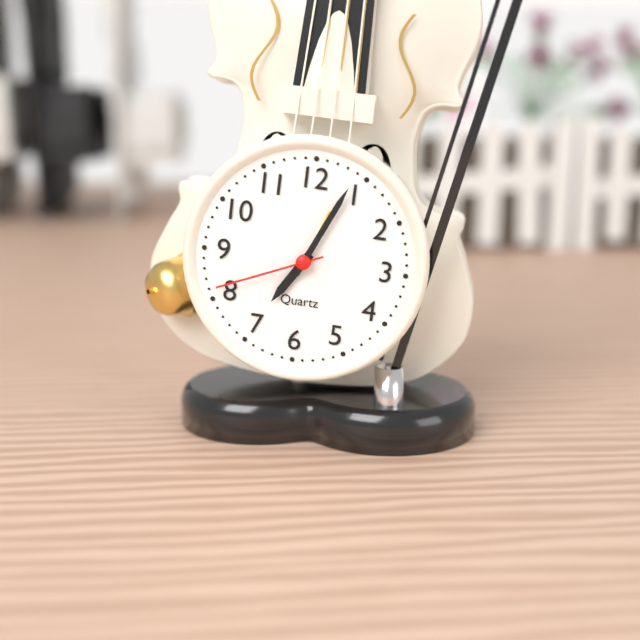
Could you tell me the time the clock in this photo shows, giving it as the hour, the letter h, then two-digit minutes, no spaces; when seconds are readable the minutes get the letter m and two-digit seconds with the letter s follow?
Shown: 7h04m41s
